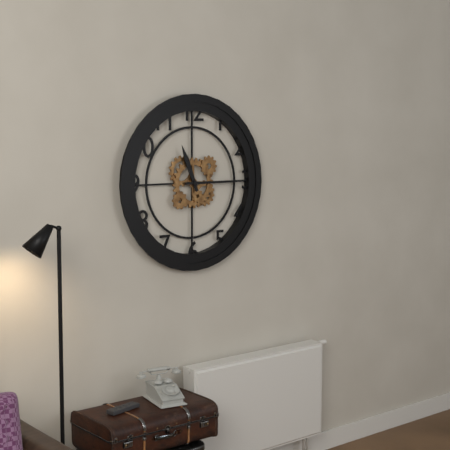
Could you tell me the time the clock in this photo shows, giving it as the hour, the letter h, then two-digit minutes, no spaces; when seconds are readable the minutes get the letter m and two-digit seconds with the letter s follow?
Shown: 11h15
